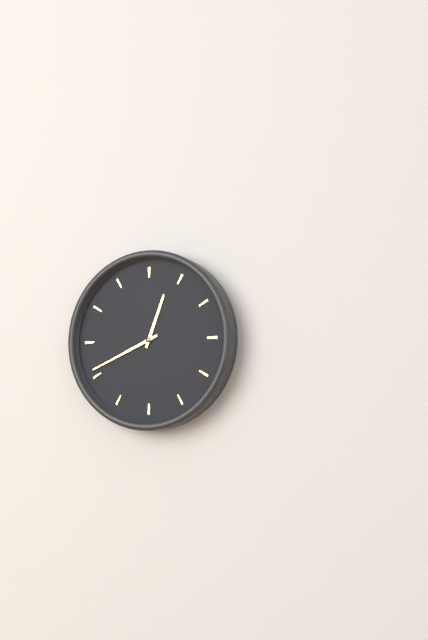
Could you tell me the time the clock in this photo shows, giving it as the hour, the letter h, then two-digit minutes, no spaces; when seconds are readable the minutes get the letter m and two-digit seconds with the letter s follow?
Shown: 12h41
